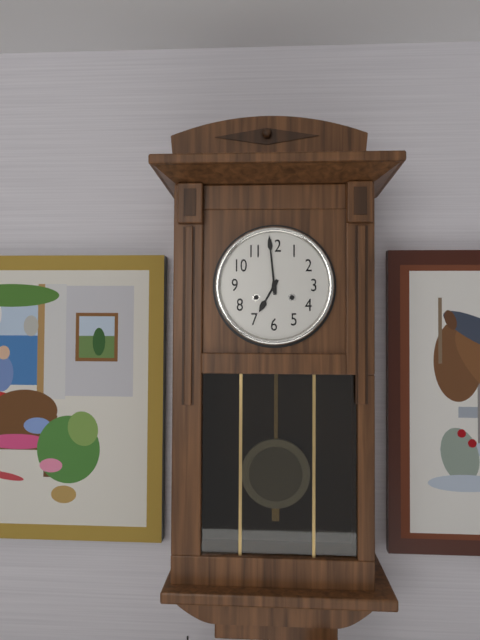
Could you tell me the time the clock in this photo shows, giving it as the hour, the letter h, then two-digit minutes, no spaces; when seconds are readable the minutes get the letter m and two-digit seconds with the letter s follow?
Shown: 6h59
